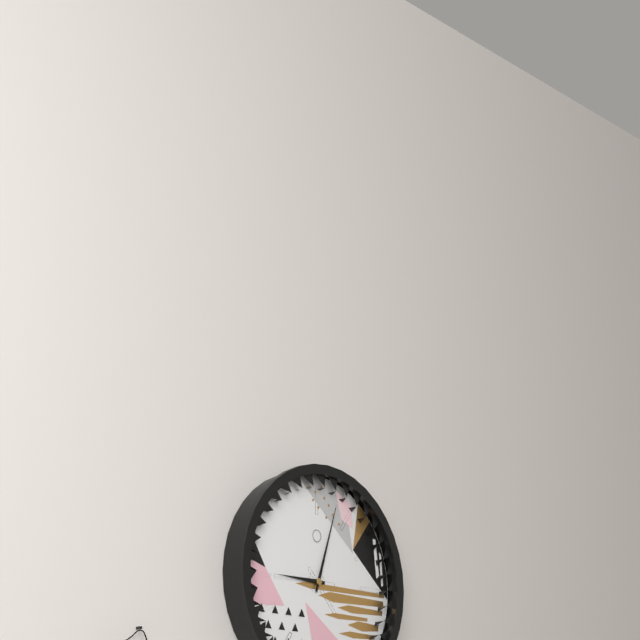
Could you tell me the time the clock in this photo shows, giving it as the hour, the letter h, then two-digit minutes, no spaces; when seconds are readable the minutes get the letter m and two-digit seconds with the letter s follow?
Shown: 9h03
